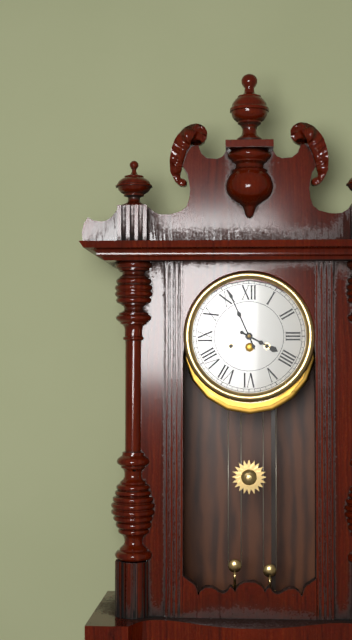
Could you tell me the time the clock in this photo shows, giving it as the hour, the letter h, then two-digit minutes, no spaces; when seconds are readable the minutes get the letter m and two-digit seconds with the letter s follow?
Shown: 3h56
